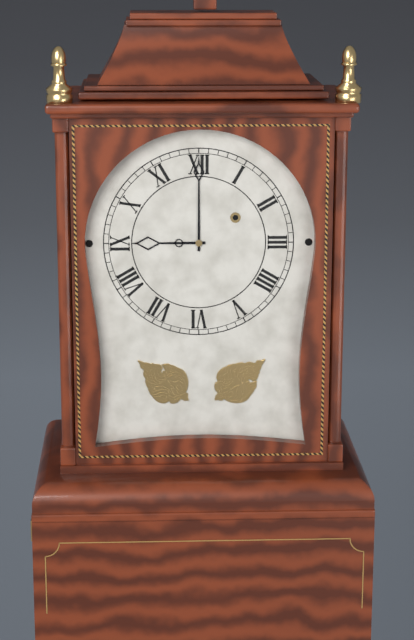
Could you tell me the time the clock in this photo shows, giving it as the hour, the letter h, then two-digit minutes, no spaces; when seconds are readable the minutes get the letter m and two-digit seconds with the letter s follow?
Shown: 9h00
